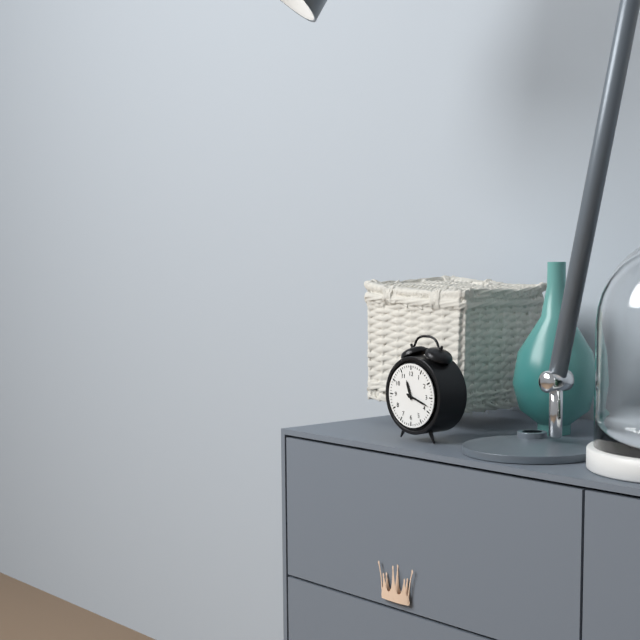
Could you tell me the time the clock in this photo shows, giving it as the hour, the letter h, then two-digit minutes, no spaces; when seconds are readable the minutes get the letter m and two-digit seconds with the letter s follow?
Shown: 11h18
